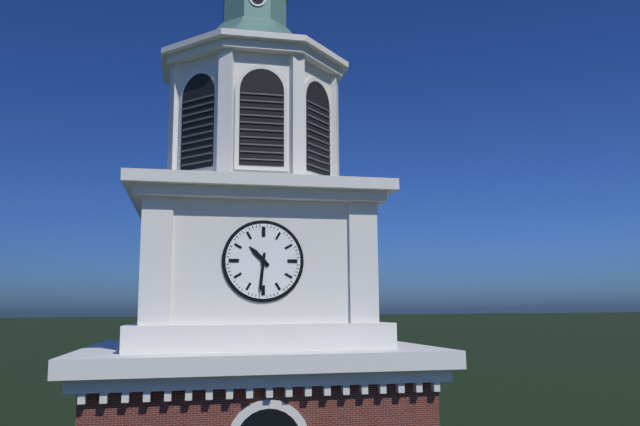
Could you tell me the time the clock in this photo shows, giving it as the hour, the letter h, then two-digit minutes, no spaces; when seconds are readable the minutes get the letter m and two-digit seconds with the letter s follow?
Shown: 10h31
